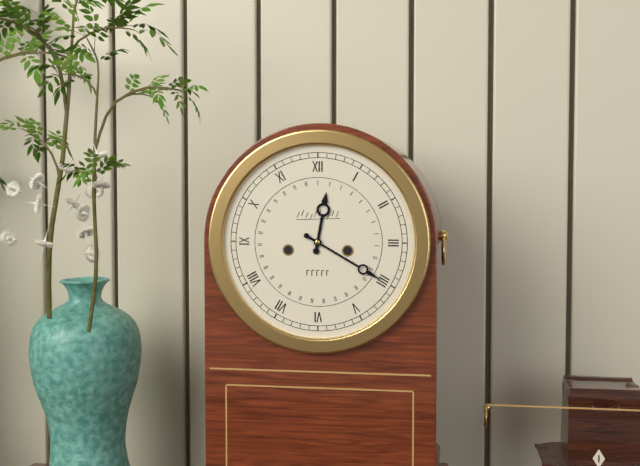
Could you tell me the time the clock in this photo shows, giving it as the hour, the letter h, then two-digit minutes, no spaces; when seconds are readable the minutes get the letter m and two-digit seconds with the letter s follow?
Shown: 12h20
